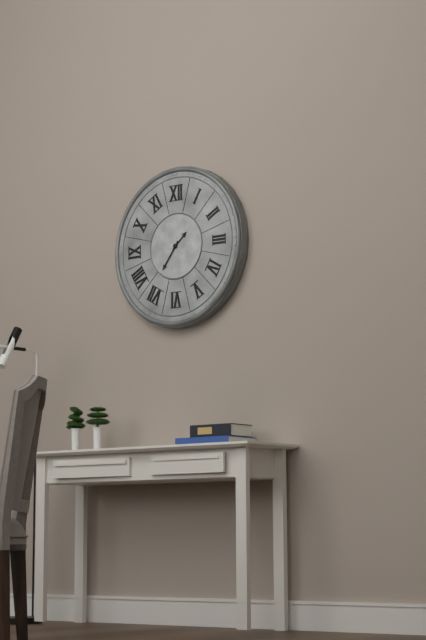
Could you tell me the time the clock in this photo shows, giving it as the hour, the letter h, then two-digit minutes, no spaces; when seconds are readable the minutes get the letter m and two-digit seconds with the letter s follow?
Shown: 1h36
